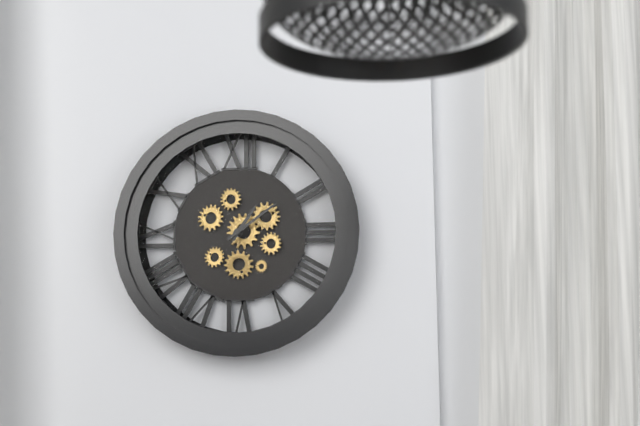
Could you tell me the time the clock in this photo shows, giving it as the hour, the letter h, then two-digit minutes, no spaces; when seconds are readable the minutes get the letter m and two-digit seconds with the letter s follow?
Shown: 1h09
